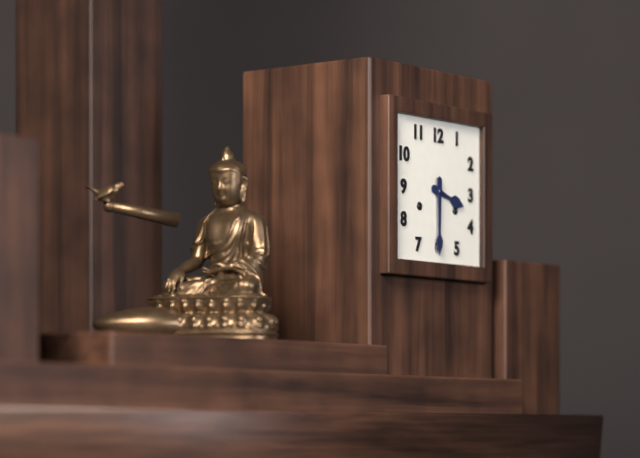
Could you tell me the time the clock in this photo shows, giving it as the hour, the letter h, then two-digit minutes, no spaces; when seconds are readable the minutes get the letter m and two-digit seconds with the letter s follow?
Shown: 3h30
